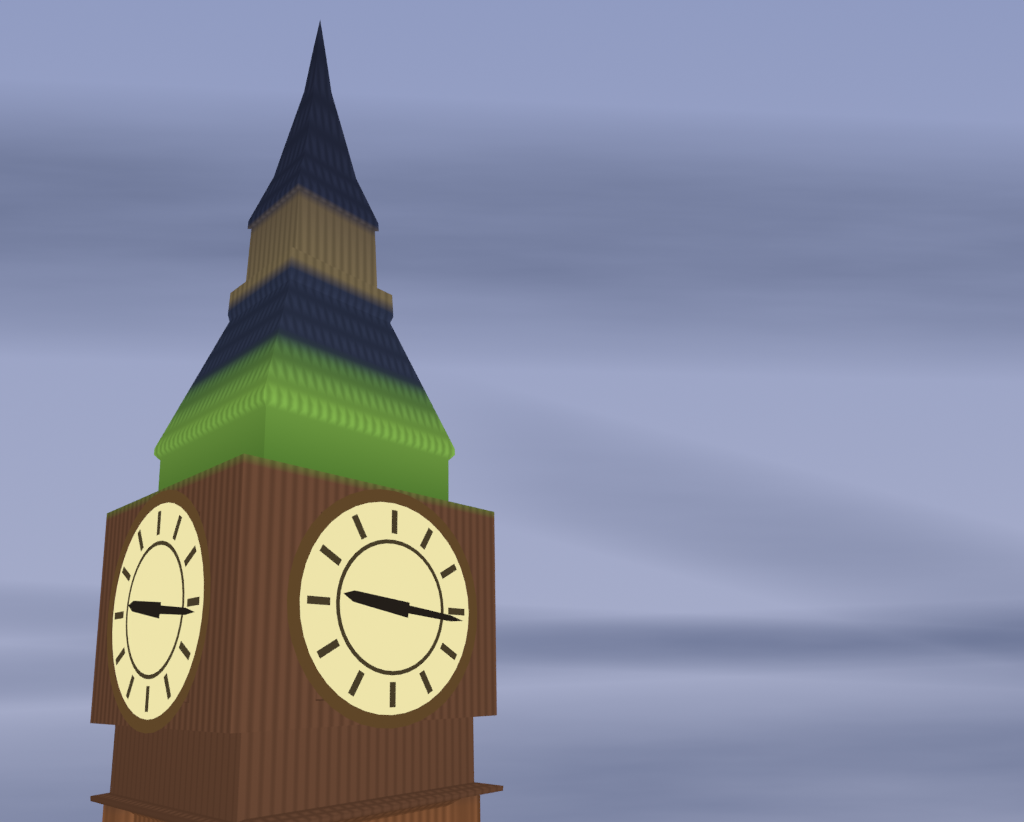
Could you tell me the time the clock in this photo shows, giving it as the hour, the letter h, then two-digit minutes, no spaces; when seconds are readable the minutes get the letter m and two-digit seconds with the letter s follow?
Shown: 9h16
